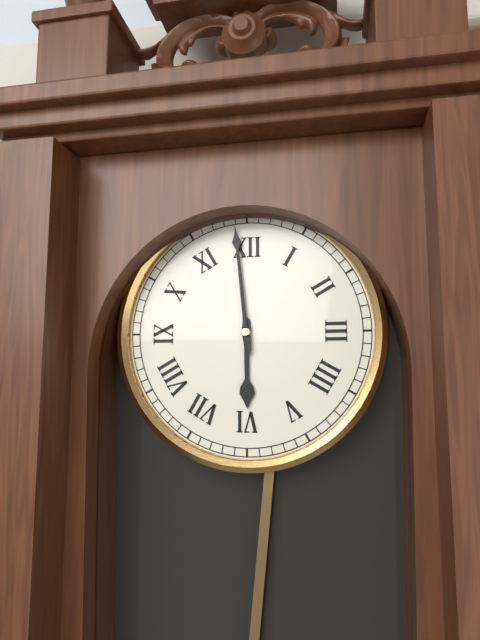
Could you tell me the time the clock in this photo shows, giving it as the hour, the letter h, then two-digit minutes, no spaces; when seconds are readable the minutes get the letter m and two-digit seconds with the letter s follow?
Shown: 5h59
